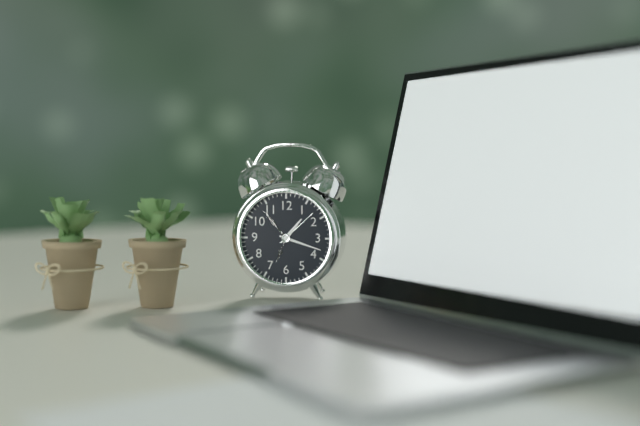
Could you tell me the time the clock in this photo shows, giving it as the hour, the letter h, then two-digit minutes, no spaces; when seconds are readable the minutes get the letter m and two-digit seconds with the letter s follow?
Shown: 1h18
